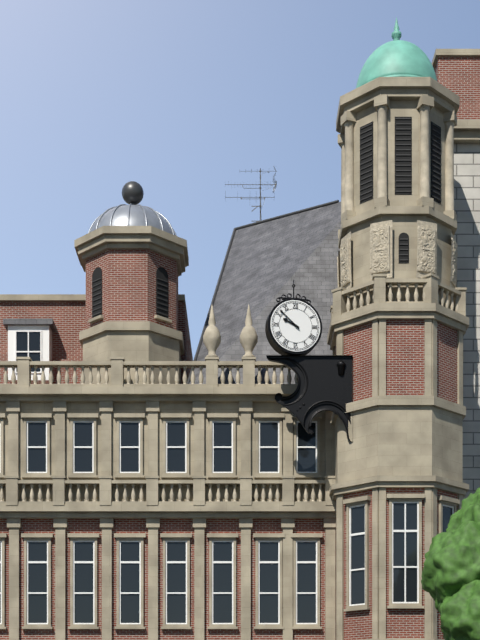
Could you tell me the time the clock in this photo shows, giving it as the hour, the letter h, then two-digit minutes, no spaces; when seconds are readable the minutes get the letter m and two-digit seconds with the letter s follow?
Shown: 9h52
